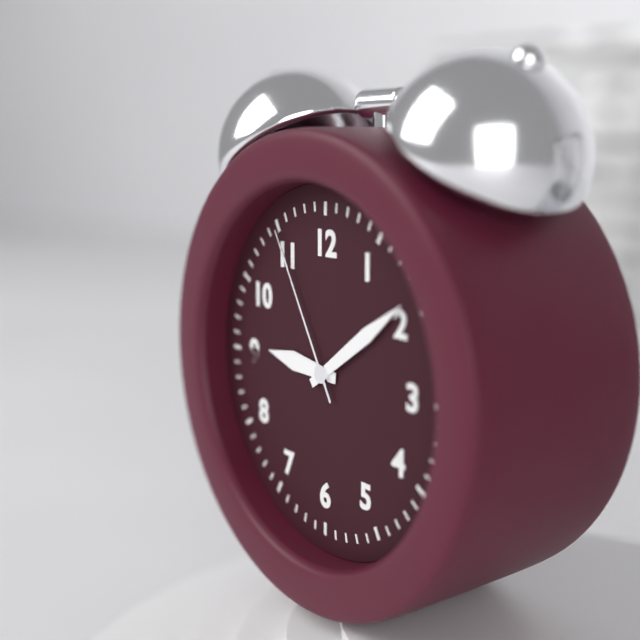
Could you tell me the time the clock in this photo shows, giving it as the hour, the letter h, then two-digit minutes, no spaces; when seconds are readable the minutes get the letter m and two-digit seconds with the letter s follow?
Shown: 9h09m55s
